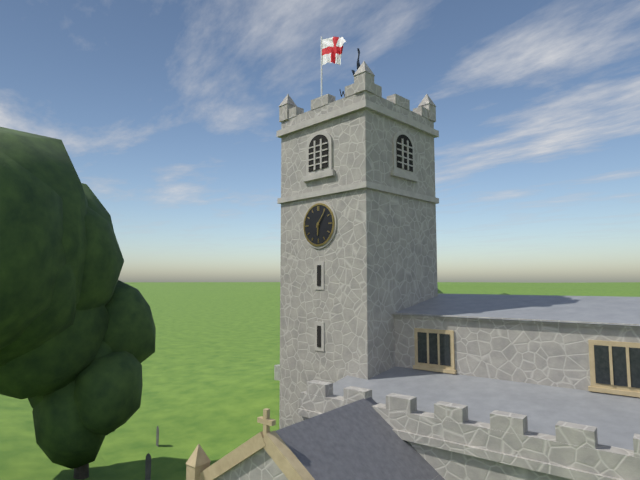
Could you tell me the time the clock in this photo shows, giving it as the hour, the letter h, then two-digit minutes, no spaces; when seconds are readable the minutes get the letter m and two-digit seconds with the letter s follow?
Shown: 6h06
